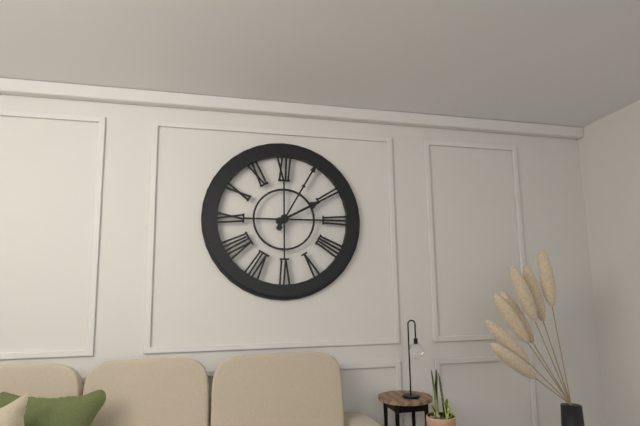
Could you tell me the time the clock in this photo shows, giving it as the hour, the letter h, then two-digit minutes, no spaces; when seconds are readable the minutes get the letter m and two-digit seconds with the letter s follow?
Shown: 2h05
